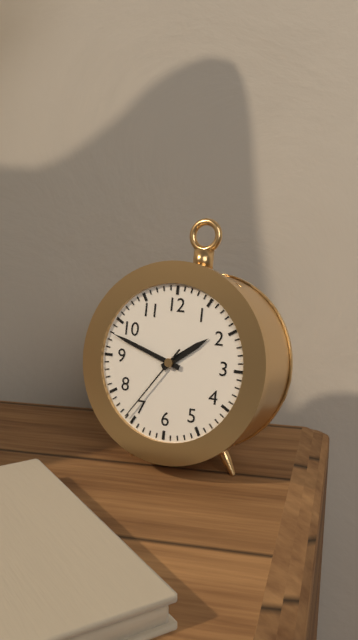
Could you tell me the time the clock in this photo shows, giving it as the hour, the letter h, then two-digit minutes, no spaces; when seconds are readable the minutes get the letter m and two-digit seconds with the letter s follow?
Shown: 1h48m36s
